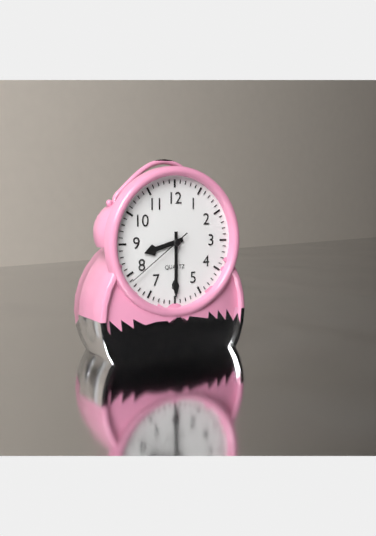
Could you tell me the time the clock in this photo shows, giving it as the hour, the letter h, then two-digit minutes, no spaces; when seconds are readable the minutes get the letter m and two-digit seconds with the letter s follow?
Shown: 8h30m39s
